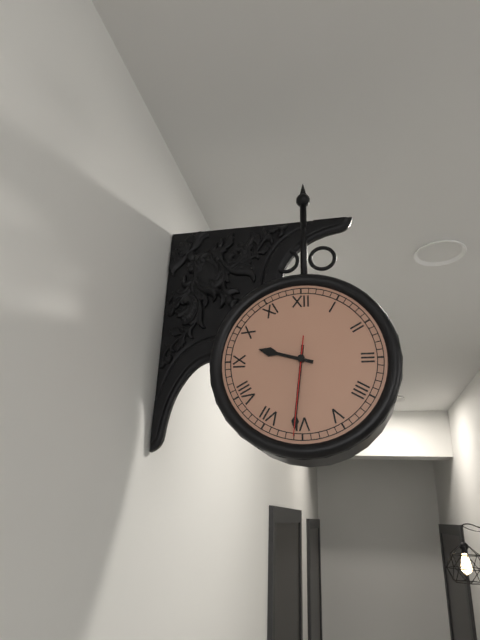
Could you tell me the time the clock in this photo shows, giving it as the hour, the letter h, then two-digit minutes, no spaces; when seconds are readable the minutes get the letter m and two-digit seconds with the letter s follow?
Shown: 9h31m31s
